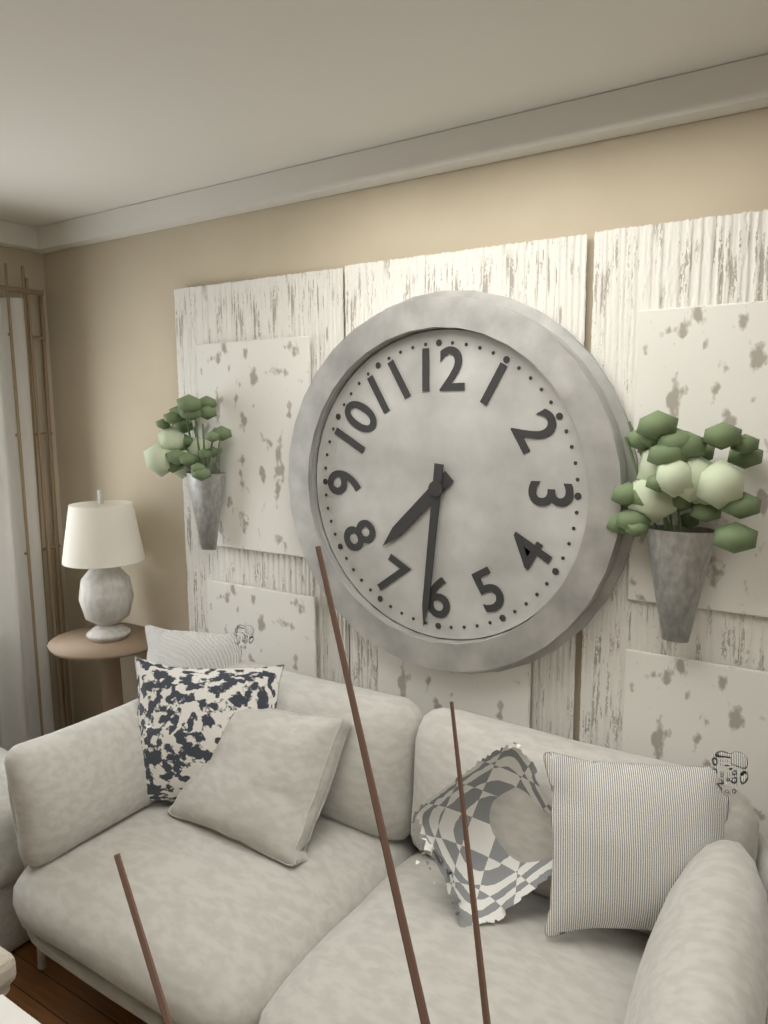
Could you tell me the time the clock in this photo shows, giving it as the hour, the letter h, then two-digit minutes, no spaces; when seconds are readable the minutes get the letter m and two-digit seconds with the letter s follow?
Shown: 7h31
